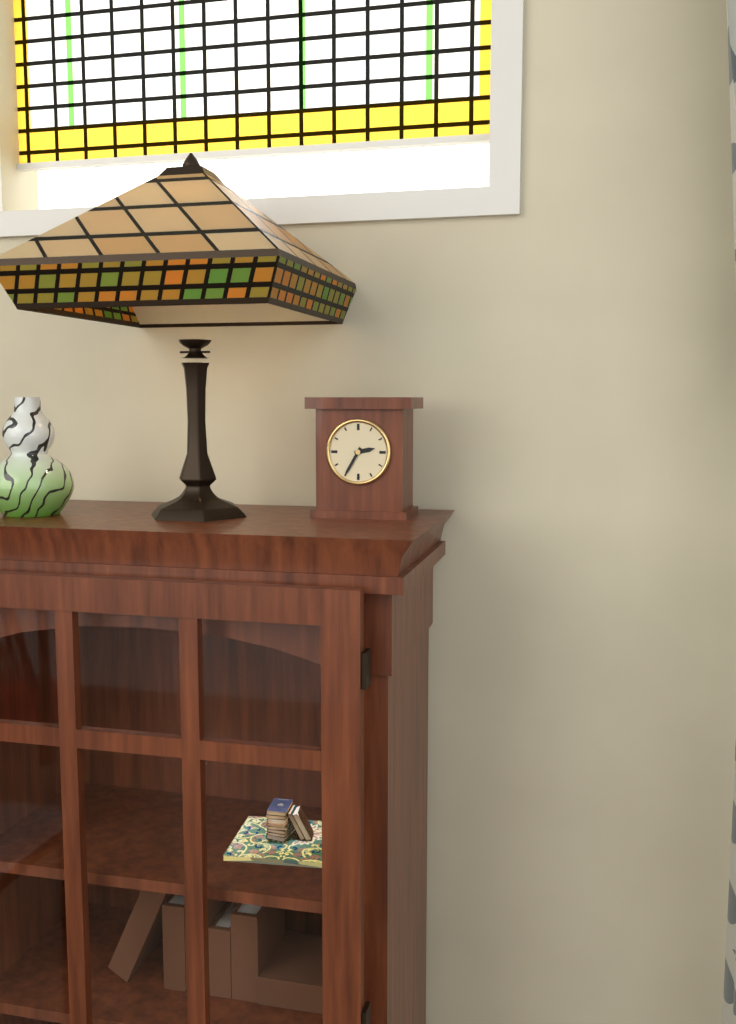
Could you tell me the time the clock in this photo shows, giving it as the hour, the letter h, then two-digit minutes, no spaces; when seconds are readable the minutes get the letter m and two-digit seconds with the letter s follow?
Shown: 2h35
